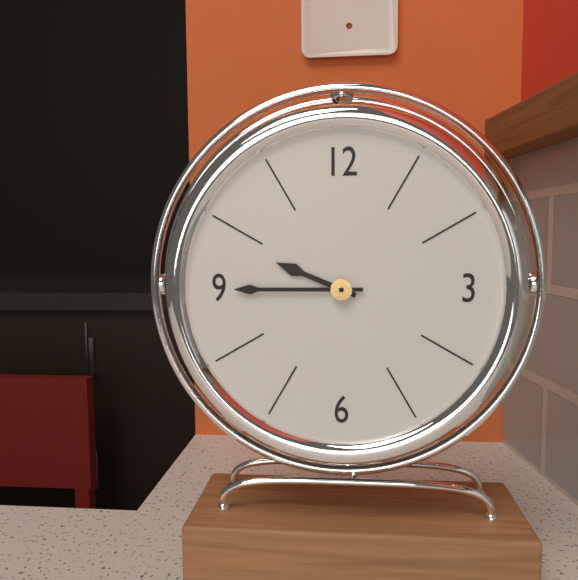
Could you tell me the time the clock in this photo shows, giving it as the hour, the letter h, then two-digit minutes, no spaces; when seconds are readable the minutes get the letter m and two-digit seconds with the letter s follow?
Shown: 9h45
